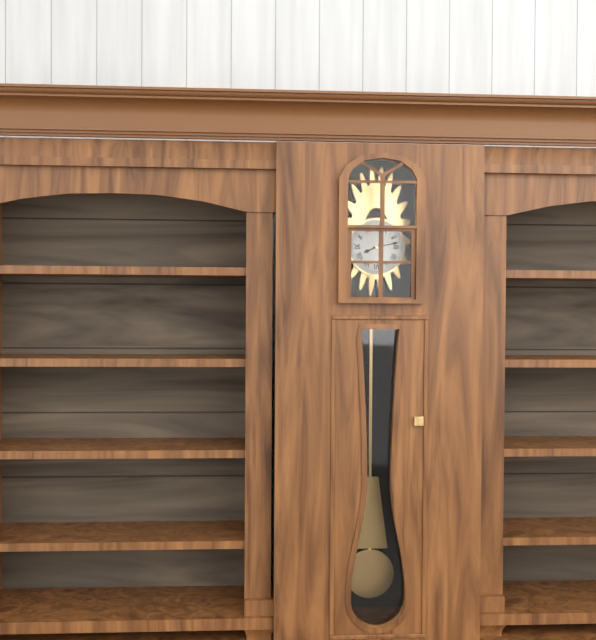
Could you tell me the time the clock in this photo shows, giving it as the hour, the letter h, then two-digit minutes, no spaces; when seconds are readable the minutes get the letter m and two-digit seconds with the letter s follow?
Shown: 8h13
